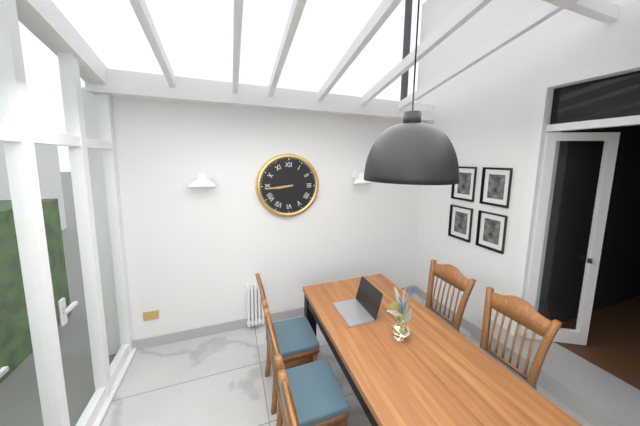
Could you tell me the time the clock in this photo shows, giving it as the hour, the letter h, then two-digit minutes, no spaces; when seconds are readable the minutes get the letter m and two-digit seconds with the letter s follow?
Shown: 8h44
